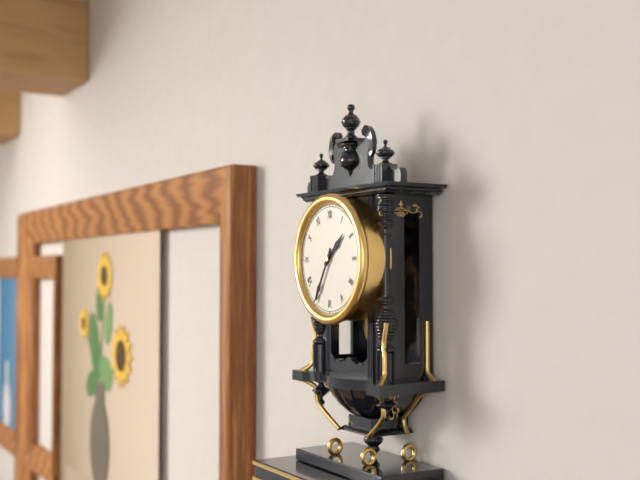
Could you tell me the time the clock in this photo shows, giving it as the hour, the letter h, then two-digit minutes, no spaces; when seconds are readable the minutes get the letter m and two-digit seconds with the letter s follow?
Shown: 1h35
